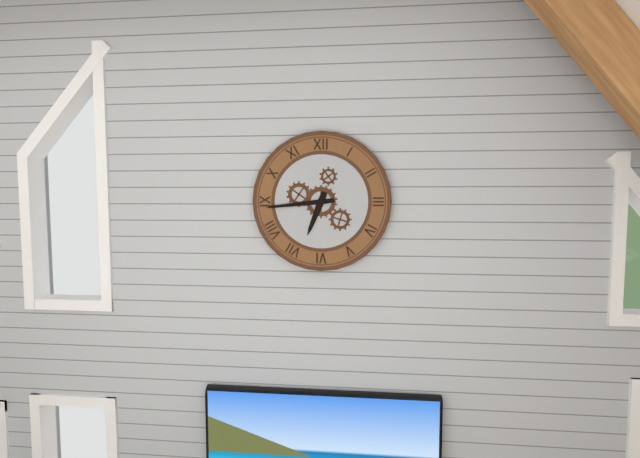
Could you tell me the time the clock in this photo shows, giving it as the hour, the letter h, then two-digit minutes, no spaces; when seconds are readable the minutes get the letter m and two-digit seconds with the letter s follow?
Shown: 6h44
